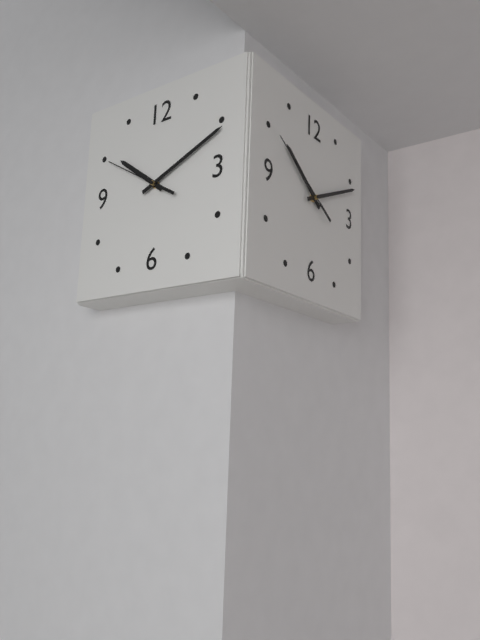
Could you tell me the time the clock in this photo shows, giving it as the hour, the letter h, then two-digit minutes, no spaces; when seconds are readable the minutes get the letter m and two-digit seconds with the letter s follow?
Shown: 10h11m50s
